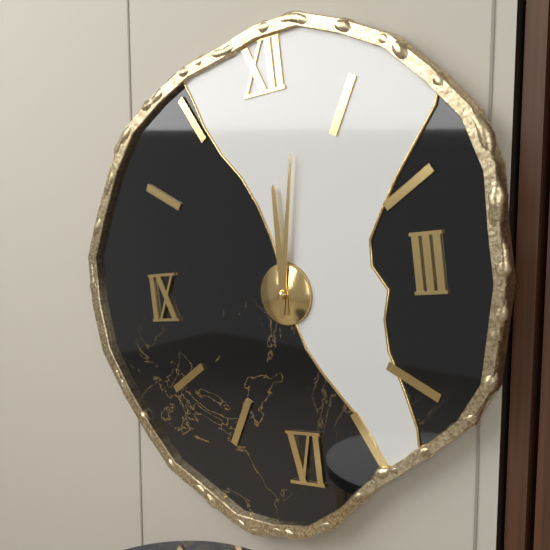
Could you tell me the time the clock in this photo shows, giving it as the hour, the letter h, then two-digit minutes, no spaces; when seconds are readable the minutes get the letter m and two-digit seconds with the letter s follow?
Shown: 12h02
